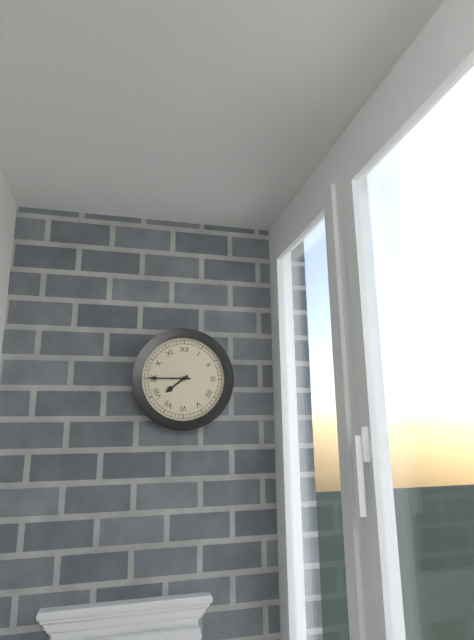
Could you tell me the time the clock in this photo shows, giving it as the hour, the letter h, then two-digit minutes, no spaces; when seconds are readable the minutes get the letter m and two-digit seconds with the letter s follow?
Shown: 7h45
